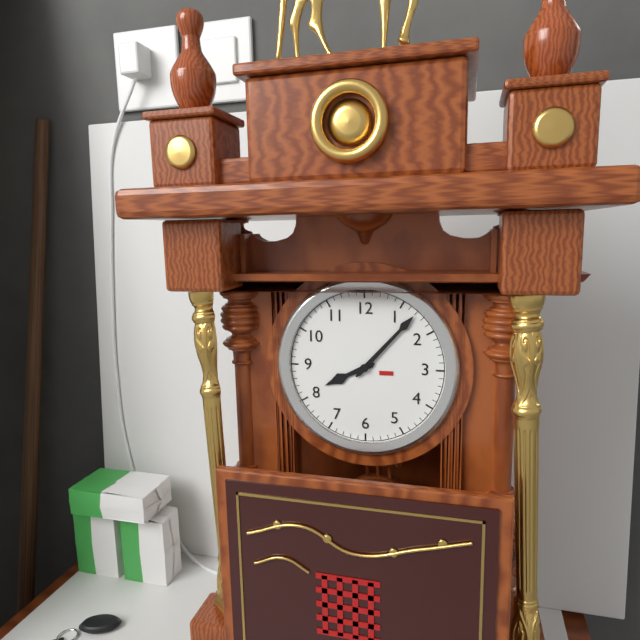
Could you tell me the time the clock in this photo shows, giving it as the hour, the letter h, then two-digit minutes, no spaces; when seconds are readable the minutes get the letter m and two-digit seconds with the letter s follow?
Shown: 8h07
